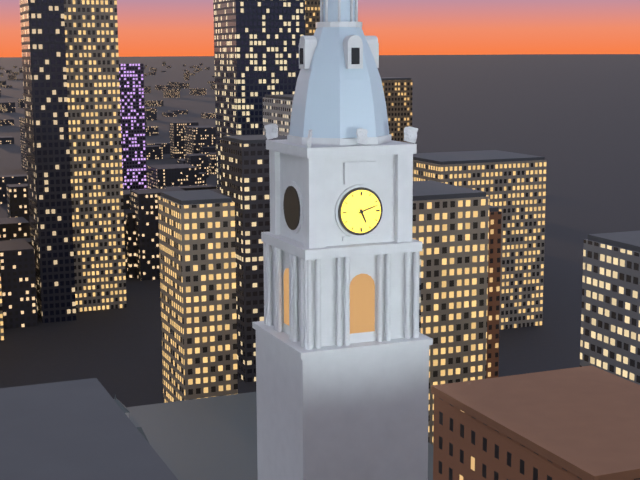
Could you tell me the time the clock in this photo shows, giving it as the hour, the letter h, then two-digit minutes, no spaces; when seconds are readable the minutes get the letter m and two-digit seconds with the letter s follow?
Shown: 5h12
